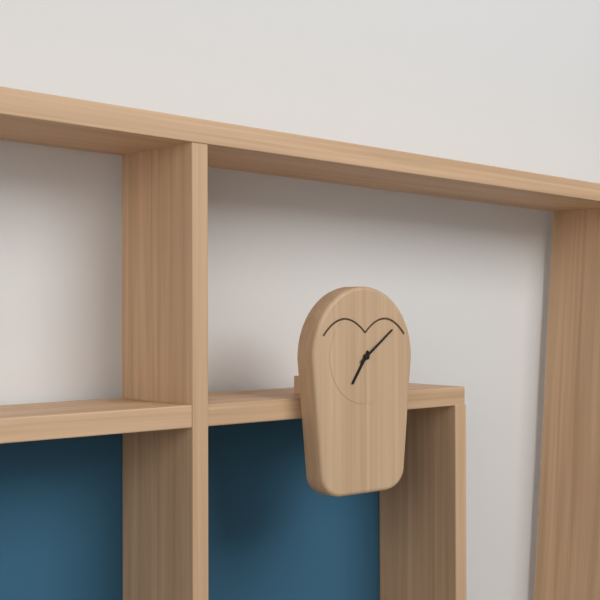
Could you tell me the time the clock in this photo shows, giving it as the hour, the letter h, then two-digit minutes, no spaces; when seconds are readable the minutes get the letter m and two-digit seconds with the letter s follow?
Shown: 7h09
